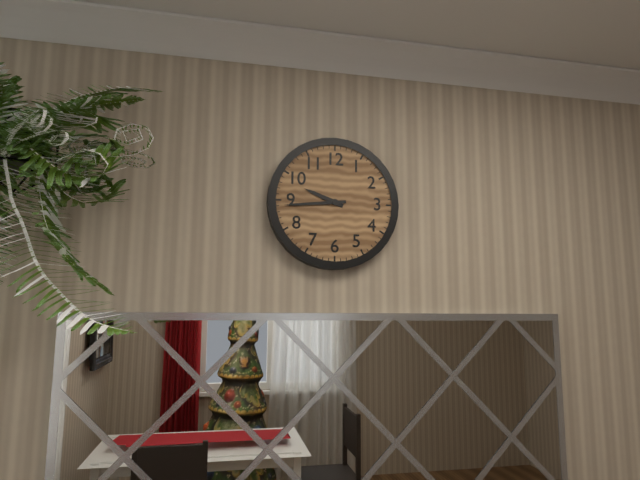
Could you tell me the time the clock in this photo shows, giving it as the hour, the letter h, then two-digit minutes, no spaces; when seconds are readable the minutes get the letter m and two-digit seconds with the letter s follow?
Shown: 9h44
